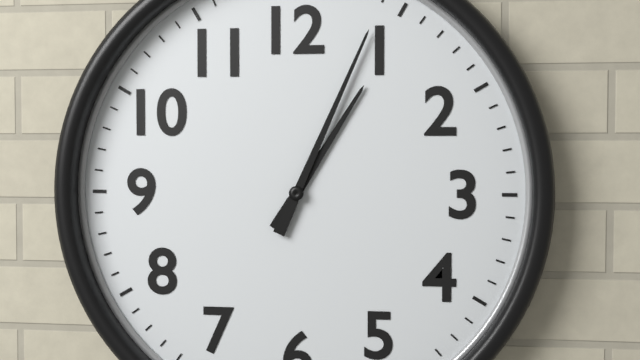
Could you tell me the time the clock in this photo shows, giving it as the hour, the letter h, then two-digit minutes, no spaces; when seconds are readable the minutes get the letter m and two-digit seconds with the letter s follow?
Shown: 1h04
